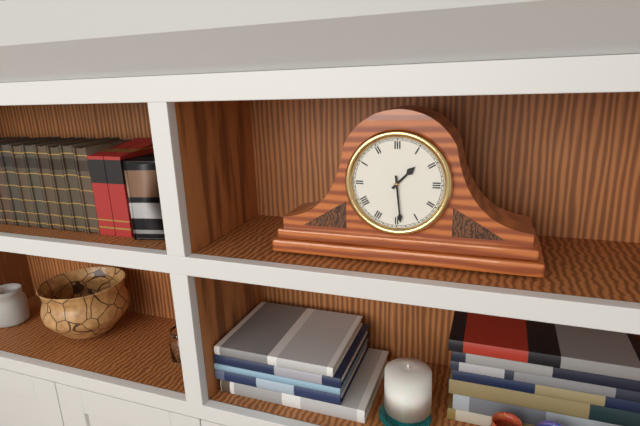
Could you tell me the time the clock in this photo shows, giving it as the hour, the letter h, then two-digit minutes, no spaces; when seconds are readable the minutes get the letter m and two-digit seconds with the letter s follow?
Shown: 1h29
